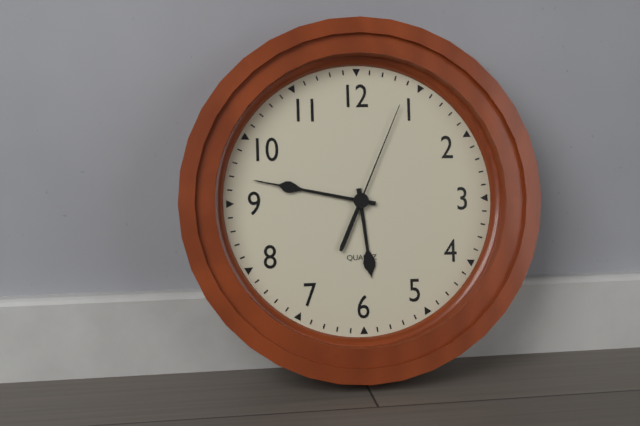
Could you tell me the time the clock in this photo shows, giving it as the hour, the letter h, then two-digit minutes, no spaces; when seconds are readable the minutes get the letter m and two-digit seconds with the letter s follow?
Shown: 5h47m04s
